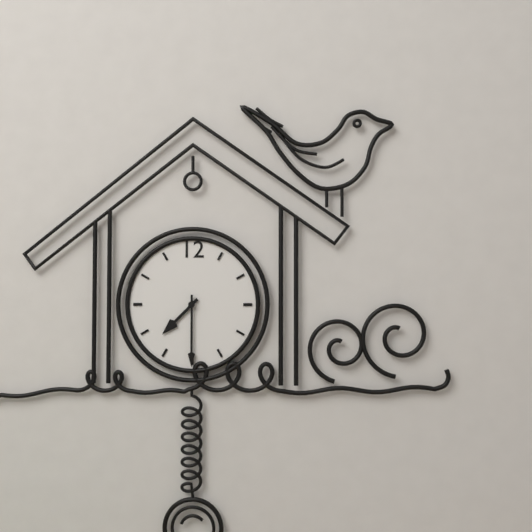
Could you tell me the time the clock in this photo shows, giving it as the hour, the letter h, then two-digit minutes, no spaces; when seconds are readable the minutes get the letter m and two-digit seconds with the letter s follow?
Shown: 7h30
